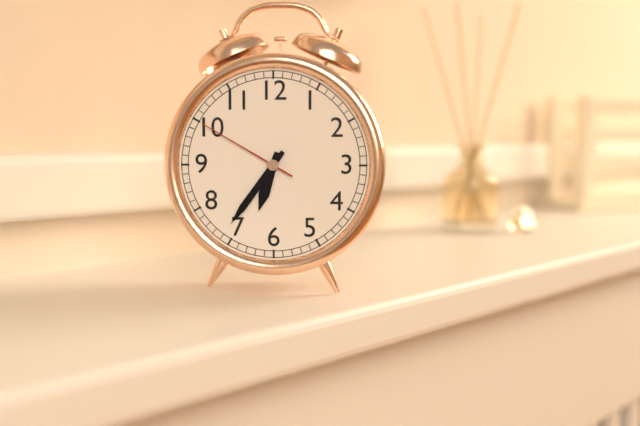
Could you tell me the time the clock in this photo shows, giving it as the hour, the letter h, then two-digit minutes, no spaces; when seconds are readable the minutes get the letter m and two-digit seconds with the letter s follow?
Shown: 6h36m50s
